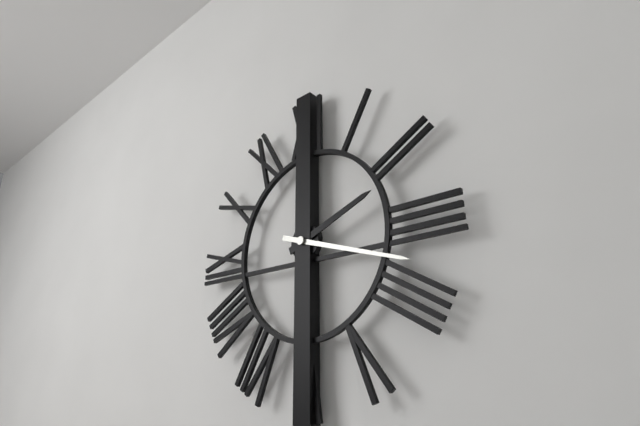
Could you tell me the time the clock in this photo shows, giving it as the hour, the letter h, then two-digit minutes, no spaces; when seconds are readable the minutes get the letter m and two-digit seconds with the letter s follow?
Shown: 2h18
